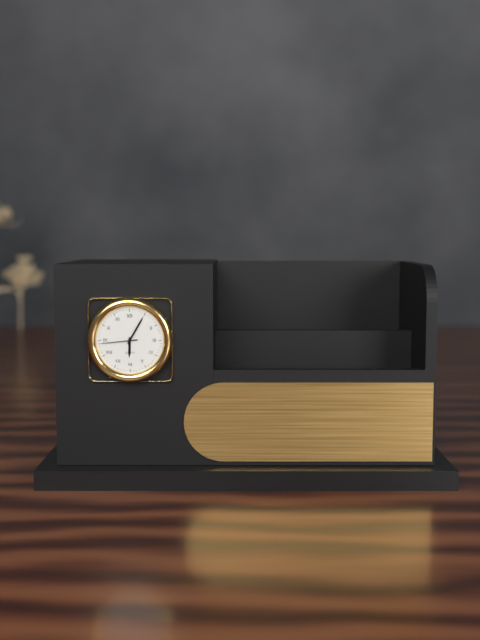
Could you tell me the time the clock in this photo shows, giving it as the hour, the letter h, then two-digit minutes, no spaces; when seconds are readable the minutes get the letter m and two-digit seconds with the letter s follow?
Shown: 6h05
